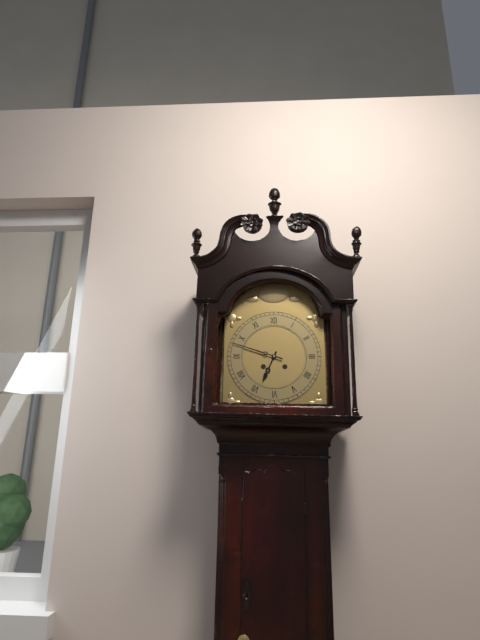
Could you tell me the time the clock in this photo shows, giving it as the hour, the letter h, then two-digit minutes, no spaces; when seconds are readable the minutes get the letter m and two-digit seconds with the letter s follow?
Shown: 6h48
